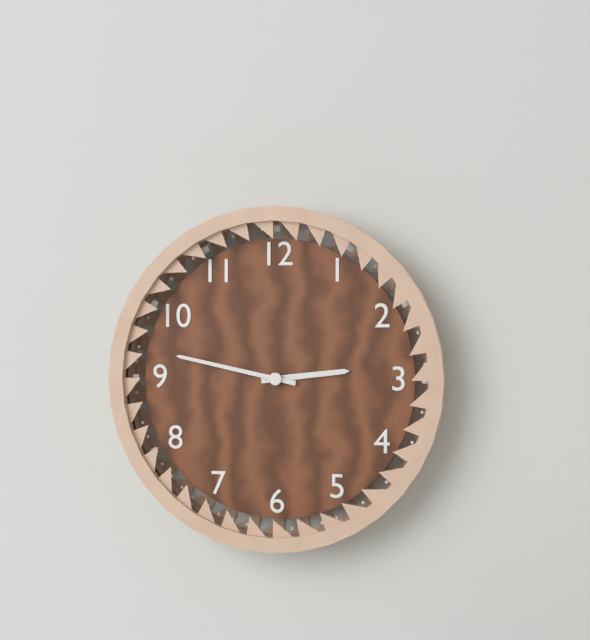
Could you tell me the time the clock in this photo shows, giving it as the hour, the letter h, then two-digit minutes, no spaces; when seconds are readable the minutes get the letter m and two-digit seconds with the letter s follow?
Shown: 2h47
